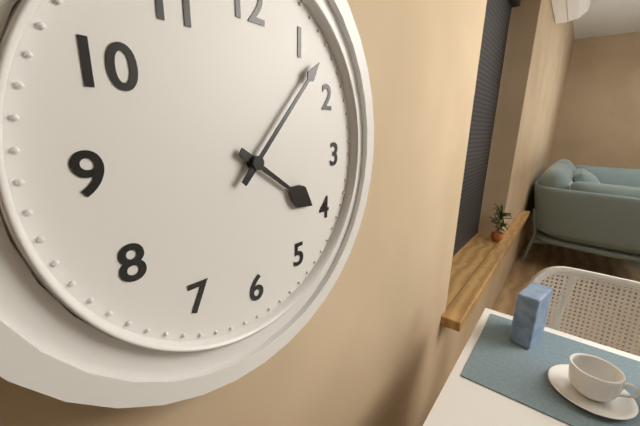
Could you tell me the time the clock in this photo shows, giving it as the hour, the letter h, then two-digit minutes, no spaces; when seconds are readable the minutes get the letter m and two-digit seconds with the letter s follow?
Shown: 4h07
